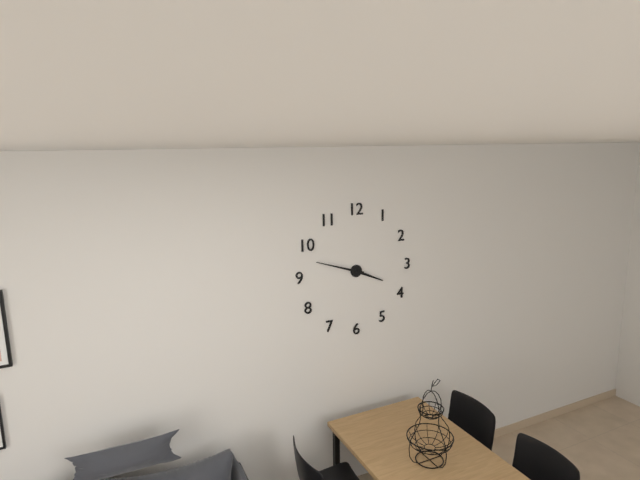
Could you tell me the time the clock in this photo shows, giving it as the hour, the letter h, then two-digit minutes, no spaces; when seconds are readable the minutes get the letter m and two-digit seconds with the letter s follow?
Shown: 3h48
